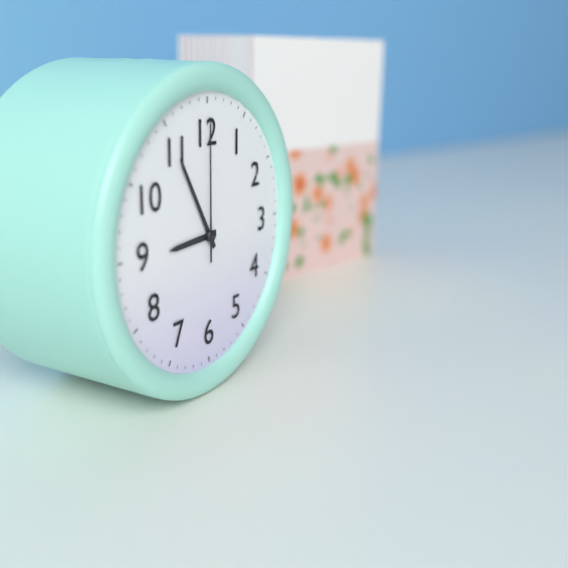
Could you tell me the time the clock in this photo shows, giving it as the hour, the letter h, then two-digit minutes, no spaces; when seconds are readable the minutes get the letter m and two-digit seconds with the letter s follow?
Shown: 8h55m00s
